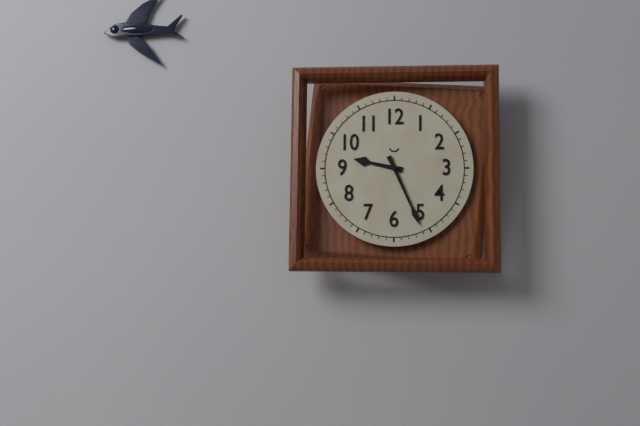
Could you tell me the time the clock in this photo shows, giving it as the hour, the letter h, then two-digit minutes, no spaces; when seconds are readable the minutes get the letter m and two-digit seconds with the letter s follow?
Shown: 9h26
